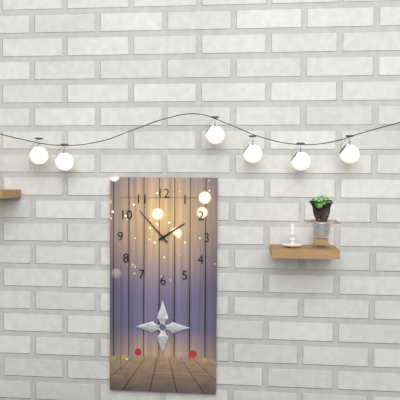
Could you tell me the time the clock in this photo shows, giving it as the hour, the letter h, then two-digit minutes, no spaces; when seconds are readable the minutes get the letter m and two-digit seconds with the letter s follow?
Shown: 1h53
